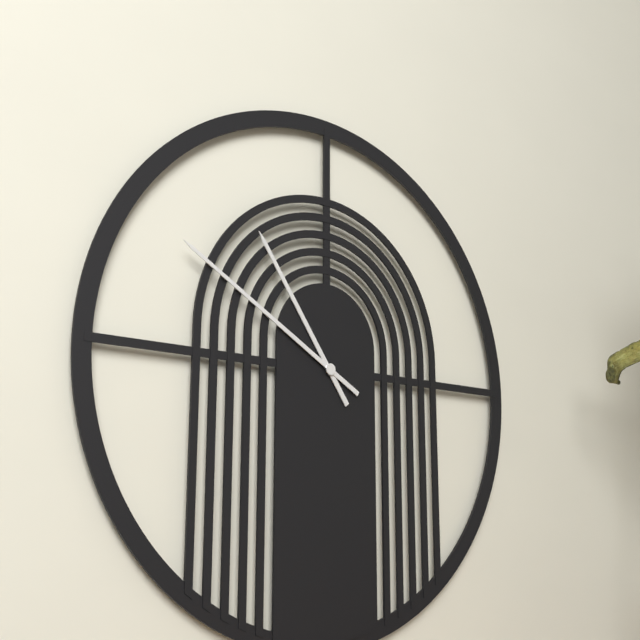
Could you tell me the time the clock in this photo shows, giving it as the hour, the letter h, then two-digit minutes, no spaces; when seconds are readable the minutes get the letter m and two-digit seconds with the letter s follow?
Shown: 10h50
